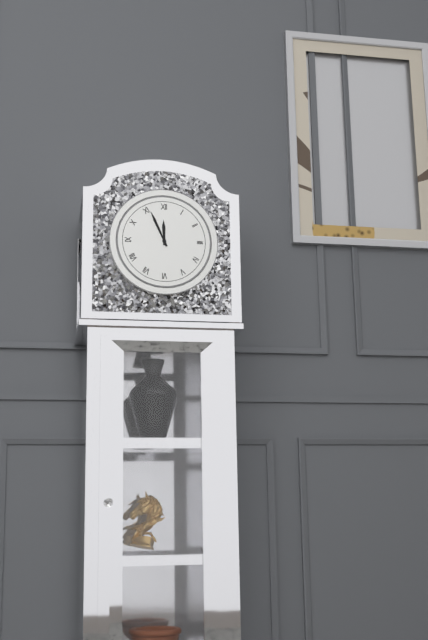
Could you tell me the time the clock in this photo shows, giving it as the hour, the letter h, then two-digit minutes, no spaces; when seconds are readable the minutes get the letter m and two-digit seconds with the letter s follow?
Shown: 11h56
